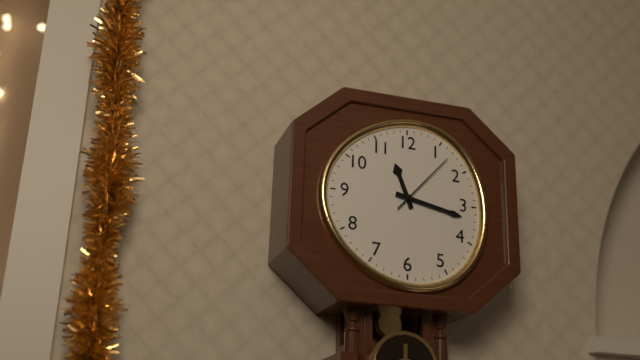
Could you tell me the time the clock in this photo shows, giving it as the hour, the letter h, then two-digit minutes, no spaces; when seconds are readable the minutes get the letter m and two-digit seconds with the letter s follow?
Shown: 11h17m07s
